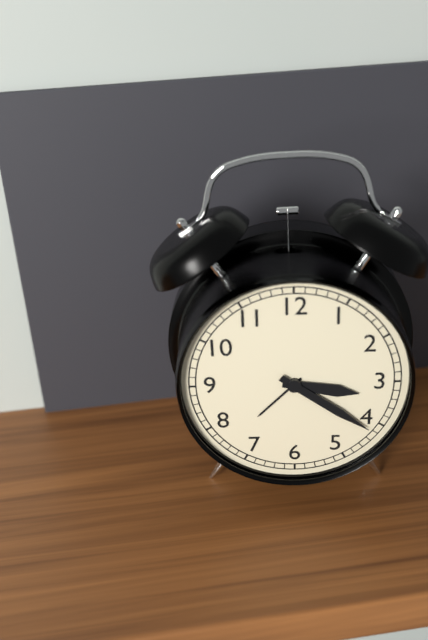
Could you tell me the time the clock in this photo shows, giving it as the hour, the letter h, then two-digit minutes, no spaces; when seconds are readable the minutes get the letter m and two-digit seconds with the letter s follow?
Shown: 3h21
